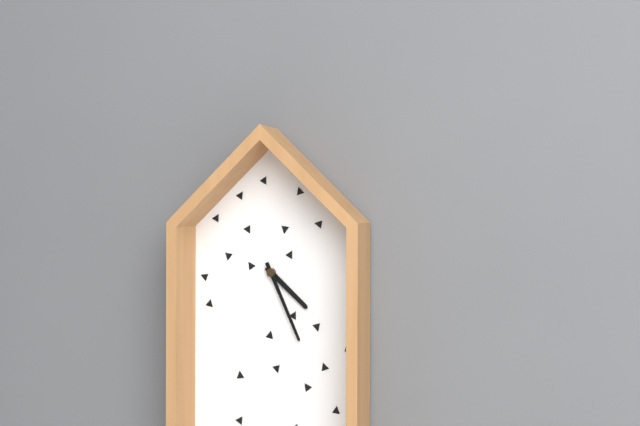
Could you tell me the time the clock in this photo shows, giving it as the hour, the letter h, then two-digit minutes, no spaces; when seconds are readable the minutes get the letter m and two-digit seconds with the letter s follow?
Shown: 4h26
